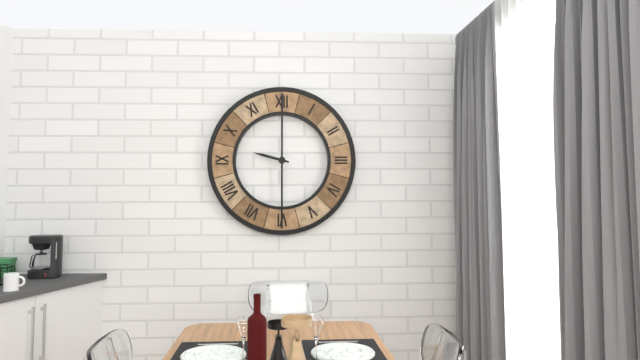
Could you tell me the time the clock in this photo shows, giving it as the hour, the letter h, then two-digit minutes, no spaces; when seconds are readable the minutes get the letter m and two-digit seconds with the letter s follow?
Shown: 9h30
